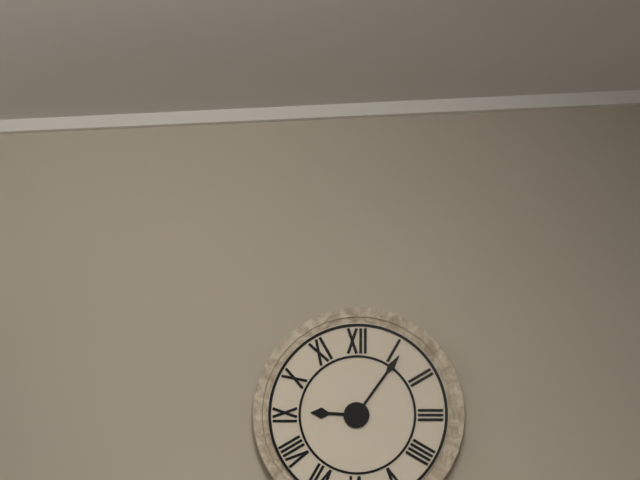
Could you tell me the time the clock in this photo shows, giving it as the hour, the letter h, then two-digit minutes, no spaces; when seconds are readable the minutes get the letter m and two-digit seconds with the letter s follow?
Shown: 9h06
